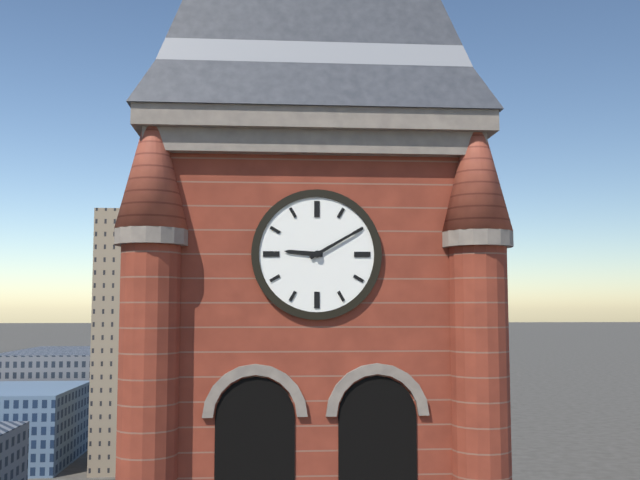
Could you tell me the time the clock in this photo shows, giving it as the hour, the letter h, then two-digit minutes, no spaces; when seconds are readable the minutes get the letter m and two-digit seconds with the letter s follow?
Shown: 9h10
